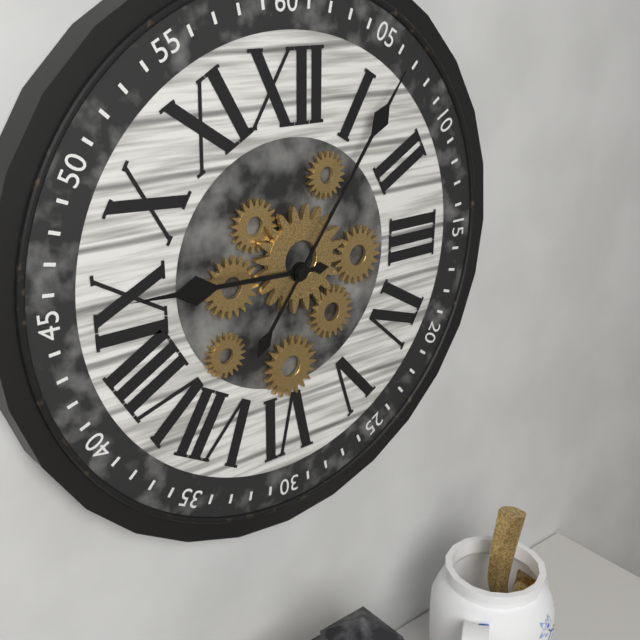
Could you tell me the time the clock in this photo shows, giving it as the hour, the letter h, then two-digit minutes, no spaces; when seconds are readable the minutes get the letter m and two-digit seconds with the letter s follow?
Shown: 9h06
